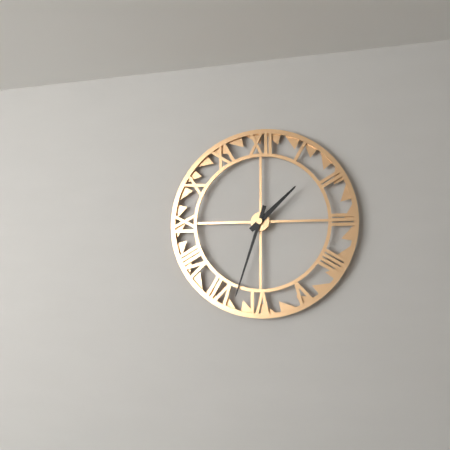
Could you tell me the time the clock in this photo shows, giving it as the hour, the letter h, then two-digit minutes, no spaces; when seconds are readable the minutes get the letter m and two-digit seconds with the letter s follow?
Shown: 1h33
